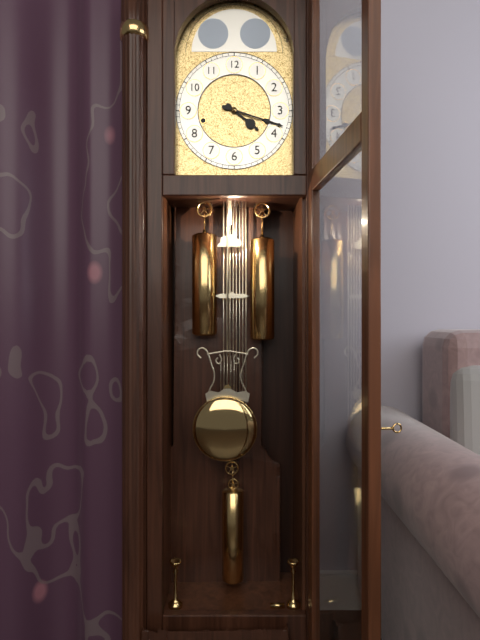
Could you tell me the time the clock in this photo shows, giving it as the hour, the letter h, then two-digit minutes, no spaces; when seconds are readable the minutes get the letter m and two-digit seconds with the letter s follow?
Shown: 4h18
